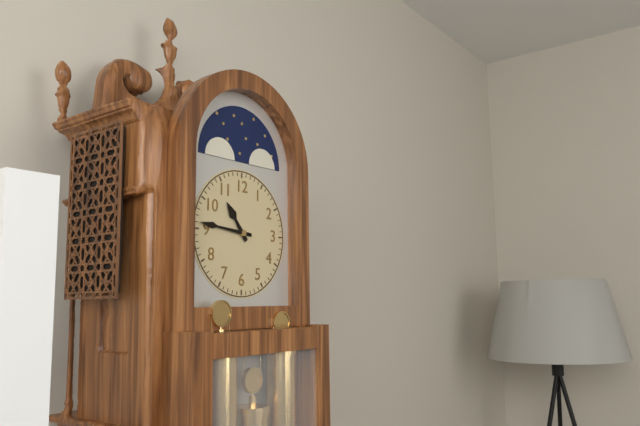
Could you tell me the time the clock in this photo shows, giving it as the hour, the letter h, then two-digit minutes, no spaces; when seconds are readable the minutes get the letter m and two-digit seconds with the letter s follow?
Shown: 10h46
